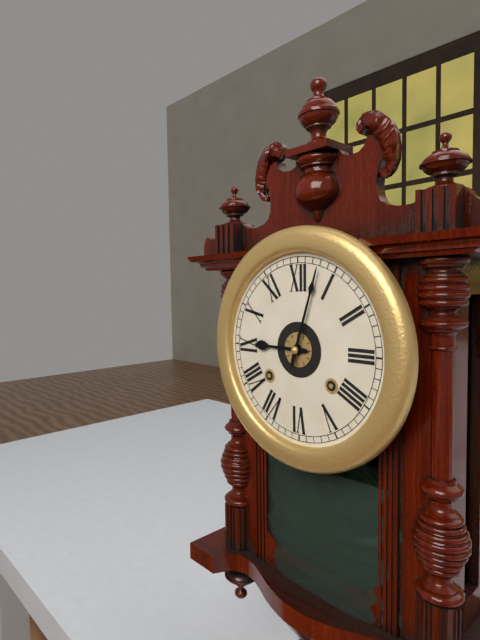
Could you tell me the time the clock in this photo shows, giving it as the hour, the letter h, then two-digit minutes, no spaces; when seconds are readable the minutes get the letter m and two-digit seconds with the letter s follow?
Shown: 9h03
